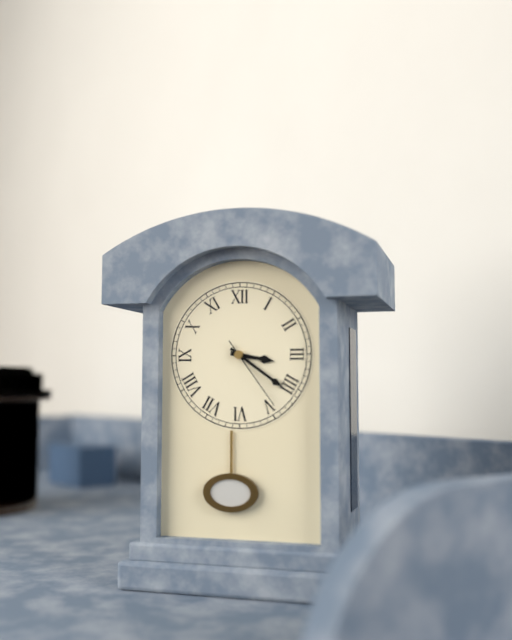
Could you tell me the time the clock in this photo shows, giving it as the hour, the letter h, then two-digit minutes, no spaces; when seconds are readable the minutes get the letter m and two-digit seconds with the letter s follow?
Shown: 3h21m24s
